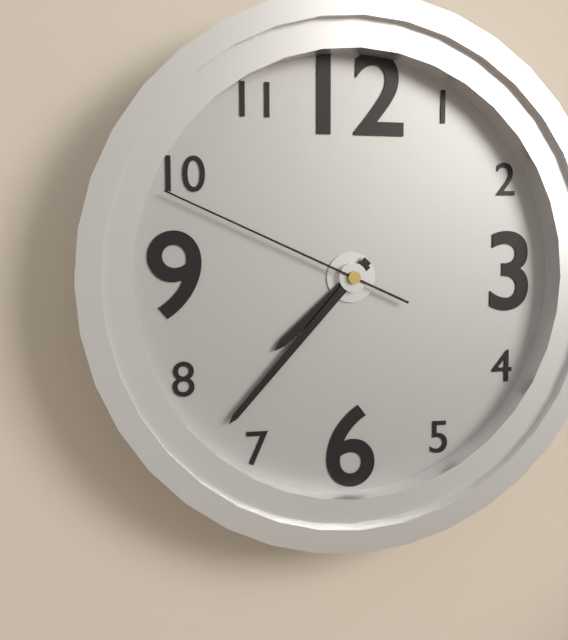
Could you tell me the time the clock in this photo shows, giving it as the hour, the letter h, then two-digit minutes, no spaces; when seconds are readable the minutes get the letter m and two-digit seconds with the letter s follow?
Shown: 7h37m49s
